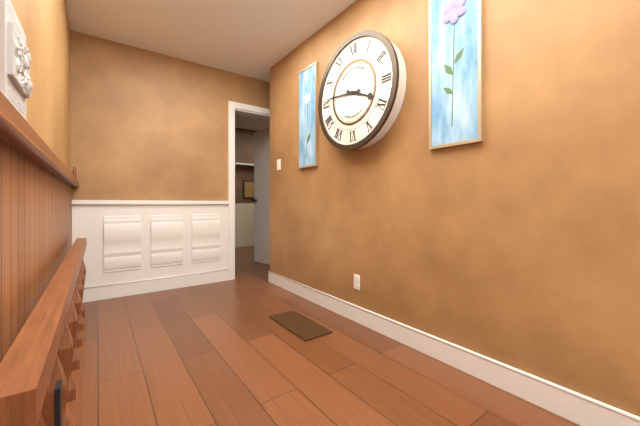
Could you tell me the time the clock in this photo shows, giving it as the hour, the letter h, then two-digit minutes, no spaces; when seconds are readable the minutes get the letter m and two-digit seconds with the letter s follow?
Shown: 3h46
